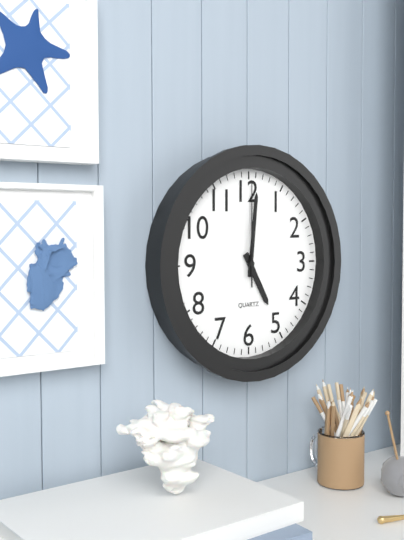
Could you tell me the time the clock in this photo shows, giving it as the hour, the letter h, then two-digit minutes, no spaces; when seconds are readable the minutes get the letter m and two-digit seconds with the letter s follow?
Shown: 5h01m00s
